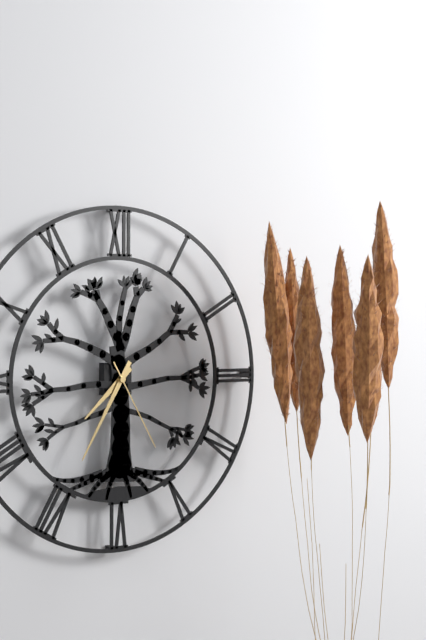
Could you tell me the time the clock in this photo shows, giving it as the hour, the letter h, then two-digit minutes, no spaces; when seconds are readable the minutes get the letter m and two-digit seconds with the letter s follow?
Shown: 7h35m25s
